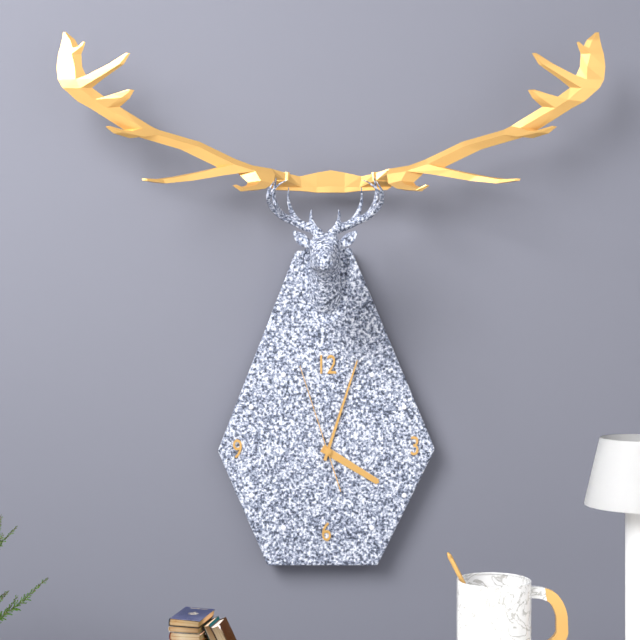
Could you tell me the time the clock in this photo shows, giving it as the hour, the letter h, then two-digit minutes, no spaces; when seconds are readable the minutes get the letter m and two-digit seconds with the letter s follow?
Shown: 4h03m57s
